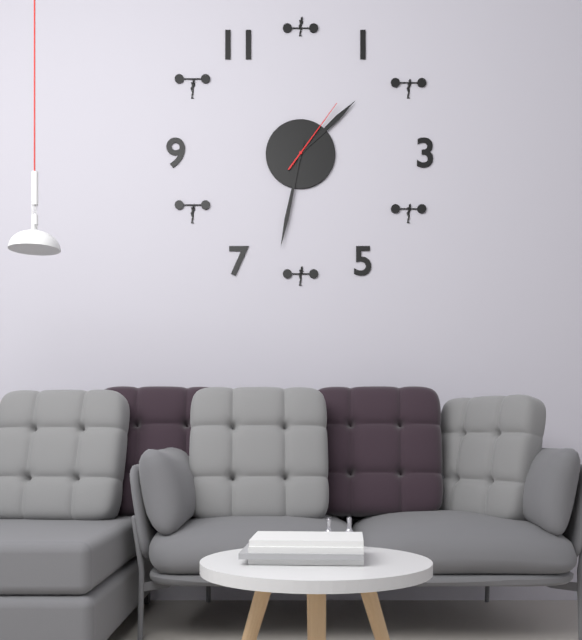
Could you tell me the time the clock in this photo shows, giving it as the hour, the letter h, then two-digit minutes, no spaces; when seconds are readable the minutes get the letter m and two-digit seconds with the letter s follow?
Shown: 1h32m06s
